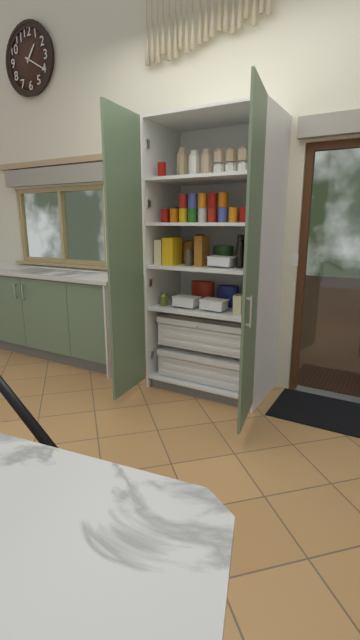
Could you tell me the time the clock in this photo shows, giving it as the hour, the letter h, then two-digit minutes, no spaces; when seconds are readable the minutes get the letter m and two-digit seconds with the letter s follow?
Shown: 1h20
